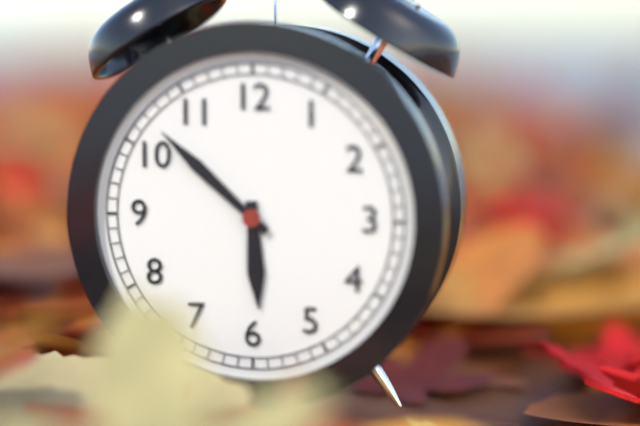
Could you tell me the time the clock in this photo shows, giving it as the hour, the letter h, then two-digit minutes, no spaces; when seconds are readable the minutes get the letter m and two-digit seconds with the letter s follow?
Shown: 5h52
